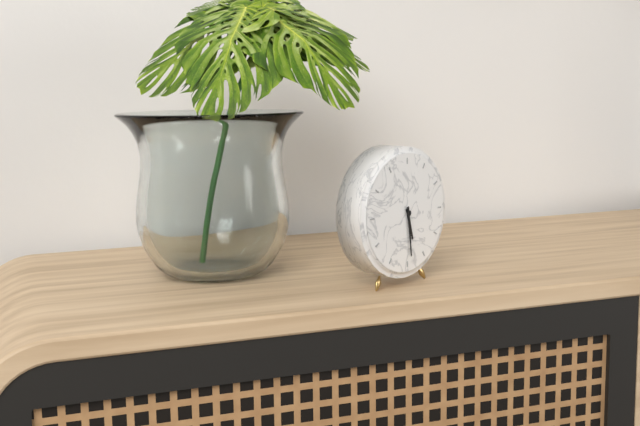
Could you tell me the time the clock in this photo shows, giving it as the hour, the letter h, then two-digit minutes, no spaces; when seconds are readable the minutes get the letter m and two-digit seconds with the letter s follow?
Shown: 5h29
